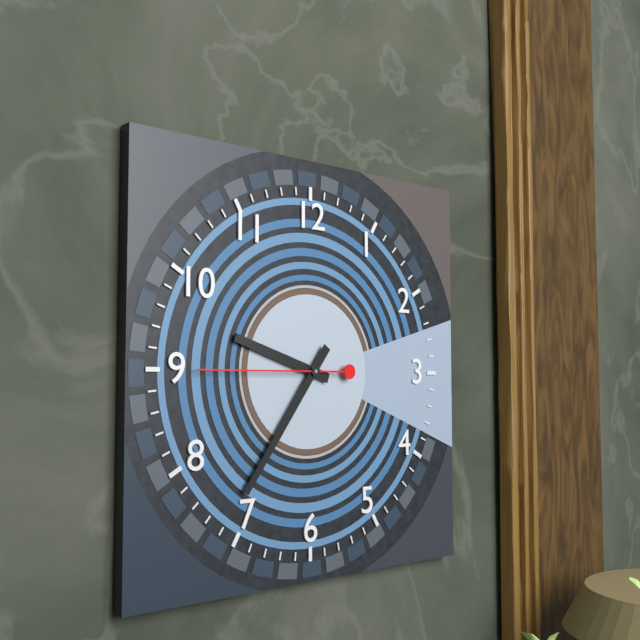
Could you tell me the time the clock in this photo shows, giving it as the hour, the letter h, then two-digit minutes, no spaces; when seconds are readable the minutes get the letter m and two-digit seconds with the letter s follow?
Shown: 9h36m45s
